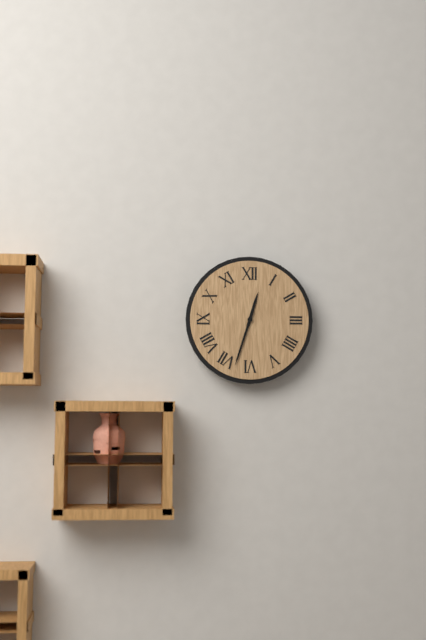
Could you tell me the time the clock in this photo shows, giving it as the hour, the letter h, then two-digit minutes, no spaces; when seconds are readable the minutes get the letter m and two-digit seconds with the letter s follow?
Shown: 12h33
